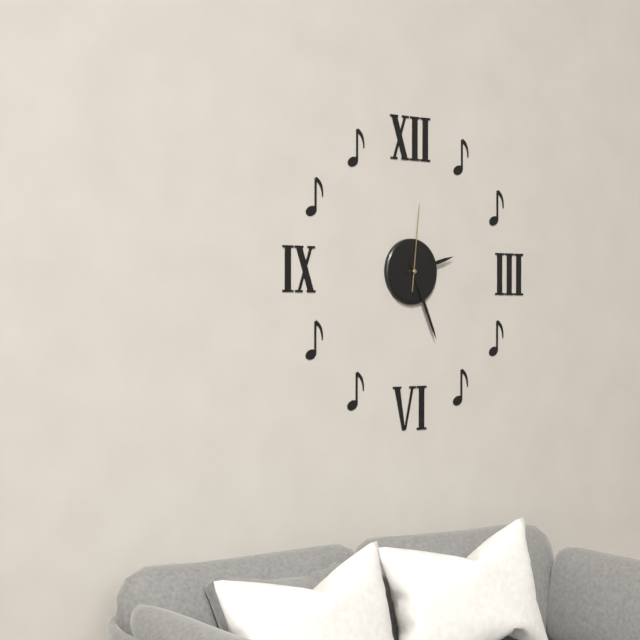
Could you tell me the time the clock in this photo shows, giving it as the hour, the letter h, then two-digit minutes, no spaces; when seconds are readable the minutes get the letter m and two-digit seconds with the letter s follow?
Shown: 2h26m01s
